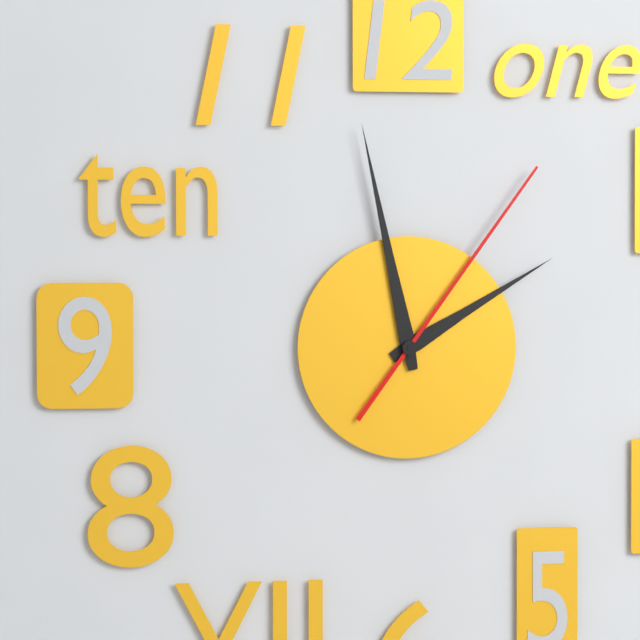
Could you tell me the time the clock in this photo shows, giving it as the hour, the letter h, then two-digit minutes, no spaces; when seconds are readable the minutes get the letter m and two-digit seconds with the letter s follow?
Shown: 1h58m06s
